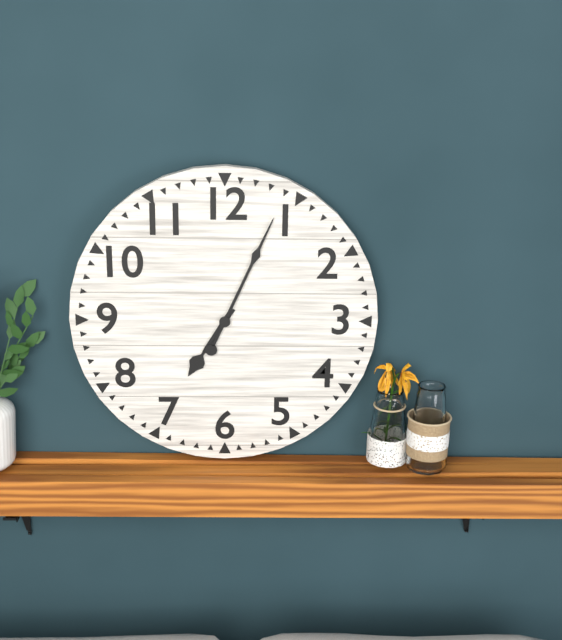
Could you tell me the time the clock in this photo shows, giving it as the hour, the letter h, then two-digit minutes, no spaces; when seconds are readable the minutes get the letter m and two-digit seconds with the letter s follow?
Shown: 7h04
